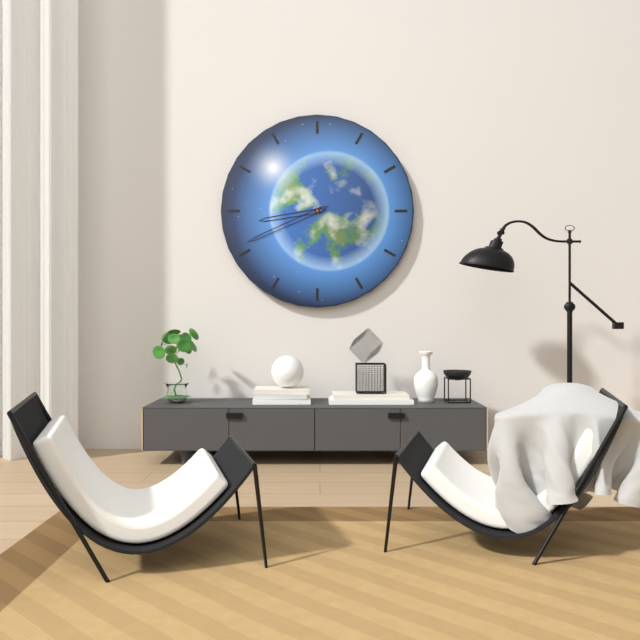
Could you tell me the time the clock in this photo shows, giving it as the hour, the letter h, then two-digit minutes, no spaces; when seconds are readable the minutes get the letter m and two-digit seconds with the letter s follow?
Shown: 8h41
